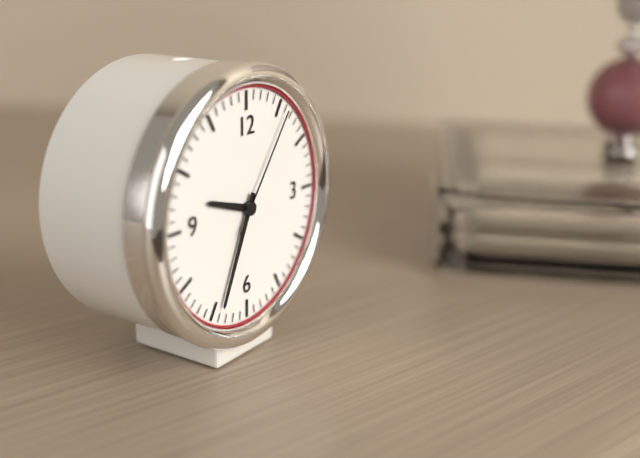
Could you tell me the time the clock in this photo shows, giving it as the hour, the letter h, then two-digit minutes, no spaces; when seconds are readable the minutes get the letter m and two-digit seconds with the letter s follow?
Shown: 9h34m06s
